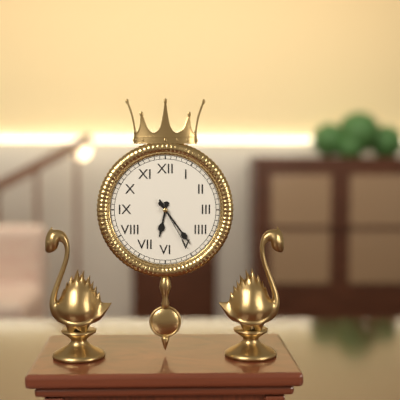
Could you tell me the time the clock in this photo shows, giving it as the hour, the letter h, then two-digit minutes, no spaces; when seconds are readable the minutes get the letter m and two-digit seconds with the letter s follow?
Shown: 6h24m25s
